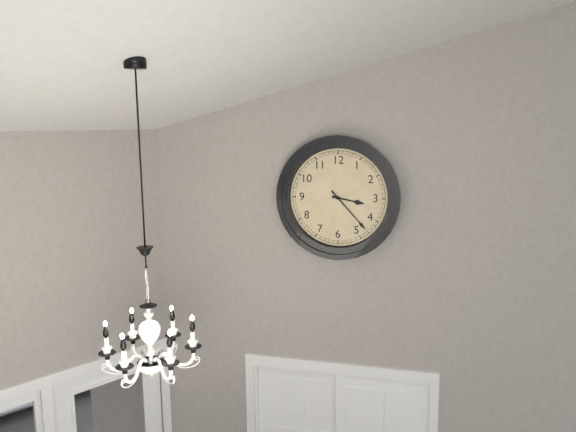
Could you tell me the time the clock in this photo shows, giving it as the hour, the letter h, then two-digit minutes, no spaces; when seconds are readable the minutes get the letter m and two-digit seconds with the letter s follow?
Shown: 3h23
